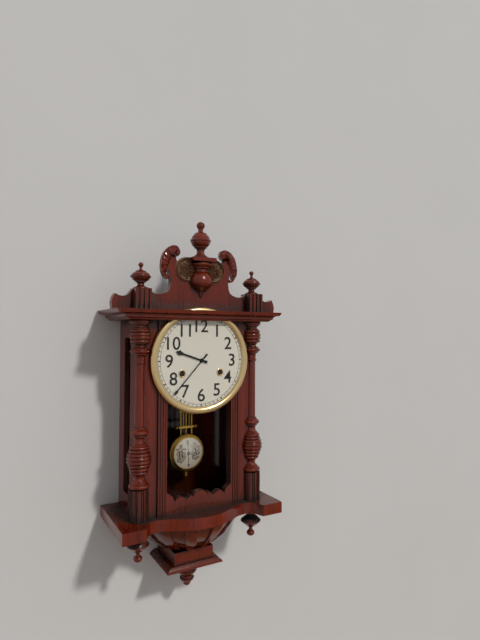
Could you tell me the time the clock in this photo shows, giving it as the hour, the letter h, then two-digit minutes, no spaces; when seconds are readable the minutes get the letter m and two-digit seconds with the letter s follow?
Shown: 9h37
